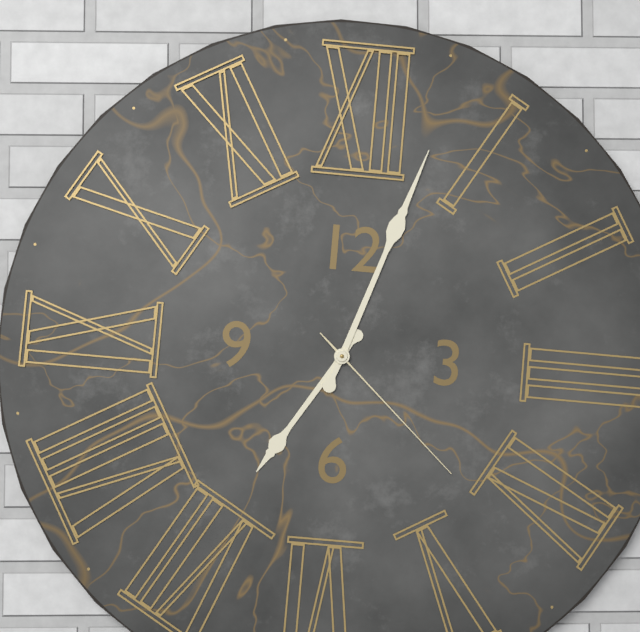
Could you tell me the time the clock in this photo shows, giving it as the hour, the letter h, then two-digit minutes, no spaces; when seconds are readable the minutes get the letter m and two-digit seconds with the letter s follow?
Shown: 7h03m22s
